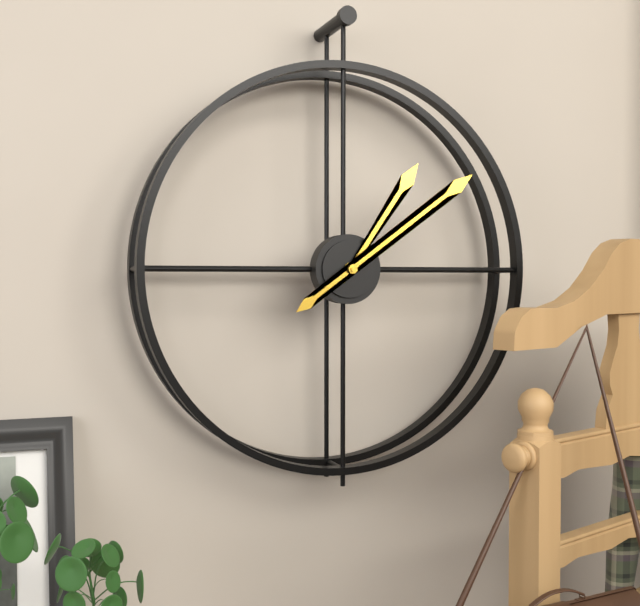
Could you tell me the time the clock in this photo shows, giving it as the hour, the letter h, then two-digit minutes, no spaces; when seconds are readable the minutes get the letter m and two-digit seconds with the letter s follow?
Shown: 1h09
